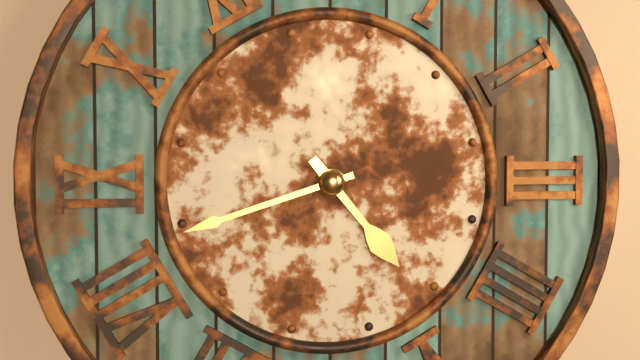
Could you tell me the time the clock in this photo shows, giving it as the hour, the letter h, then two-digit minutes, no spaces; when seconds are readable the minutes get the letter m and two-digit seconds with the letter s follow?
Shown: 4h42
